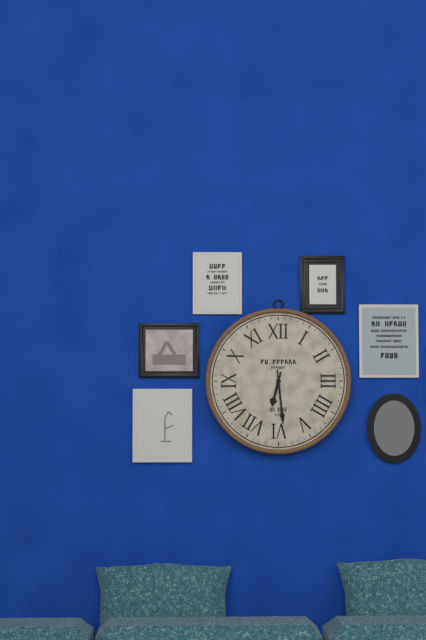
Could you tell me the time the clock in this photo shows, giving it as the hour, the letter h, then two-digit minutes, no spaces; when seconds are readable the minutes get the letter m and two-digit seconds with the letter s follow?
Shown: 6h29
